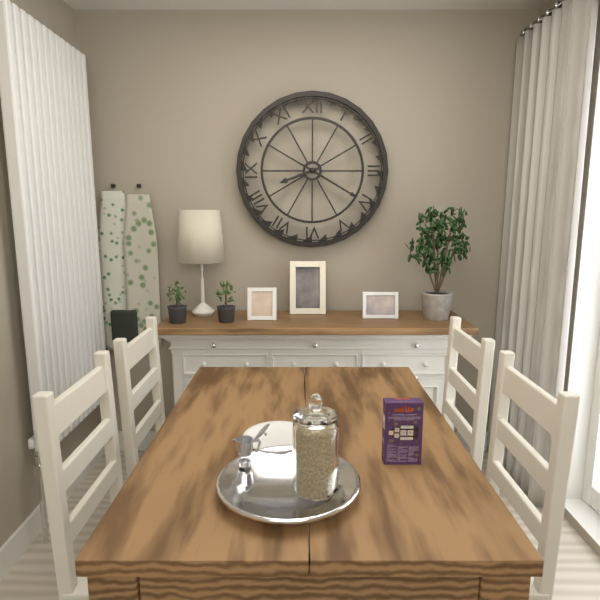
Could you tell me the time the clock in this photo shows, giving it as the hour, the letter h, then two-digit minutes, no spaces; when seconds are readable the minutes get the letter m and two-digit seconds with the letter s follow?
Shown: 8h20
